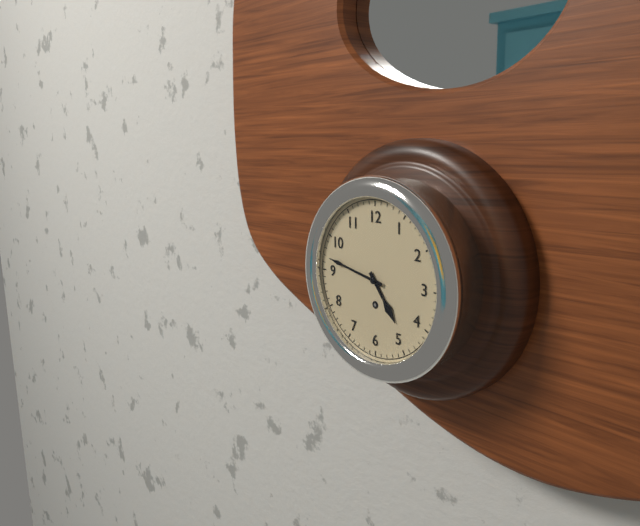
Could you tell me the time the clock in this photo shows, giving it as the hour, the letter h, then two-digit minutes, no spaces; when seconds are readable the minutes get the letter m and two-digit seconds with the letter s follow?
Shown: 4h47
